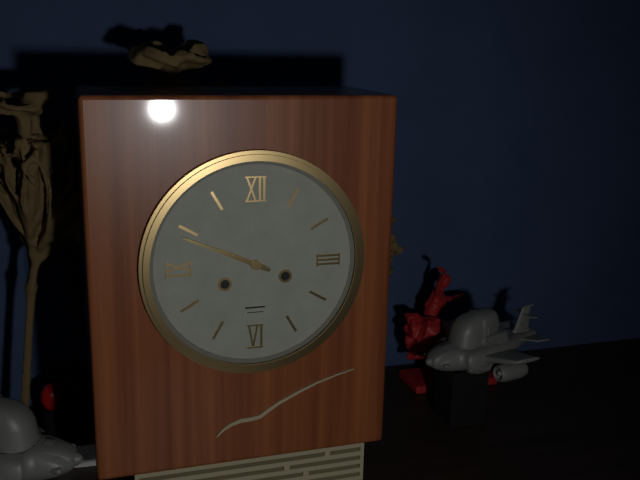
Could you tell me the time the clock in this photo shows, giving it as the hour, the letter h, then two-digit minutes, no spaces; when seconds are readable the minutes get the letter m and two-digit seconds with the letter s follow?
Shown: 9h49
